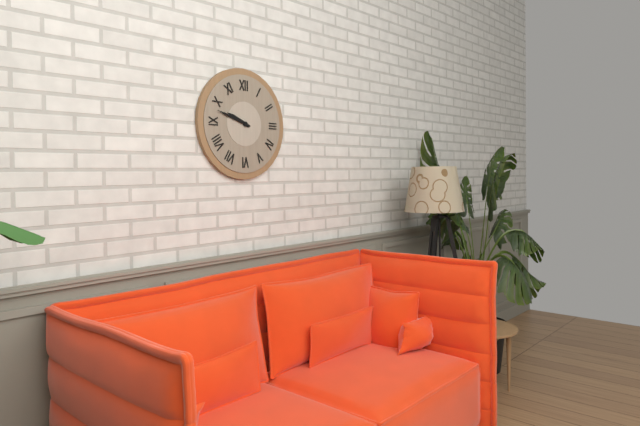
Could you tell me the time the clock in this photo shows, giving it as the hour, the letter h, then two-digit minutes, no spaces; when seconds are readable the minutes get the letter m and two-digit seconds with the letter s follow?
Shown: 9h48
